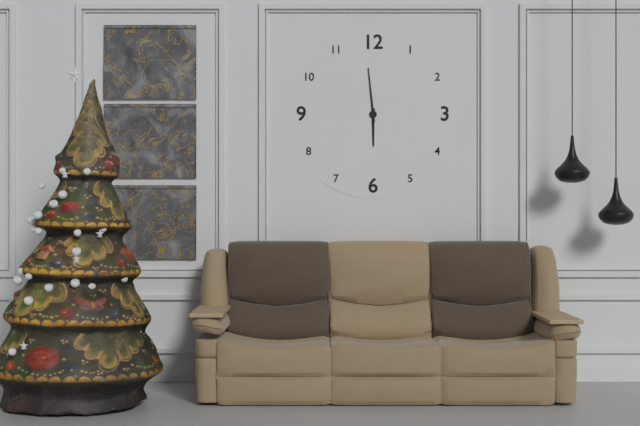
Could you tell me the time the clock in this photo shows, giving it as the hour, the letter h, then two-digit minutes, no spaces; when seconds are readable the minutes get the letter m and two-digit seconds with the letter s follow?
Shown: 5h59
